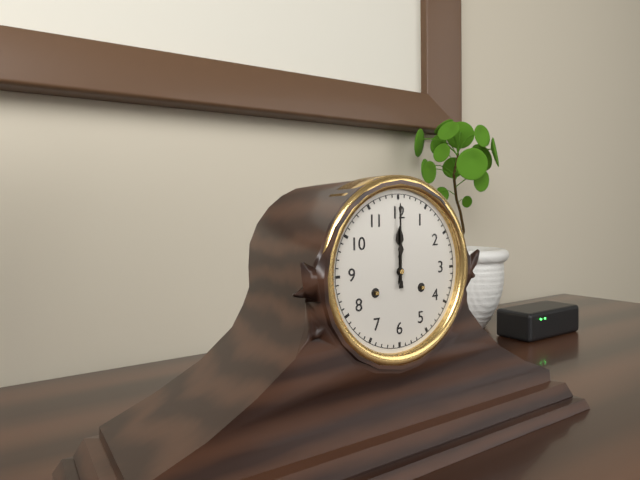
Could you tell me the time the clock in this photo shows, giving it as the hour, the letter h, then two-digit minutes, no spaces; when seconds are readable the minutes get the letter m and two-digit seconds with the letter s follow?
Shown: 12h00
